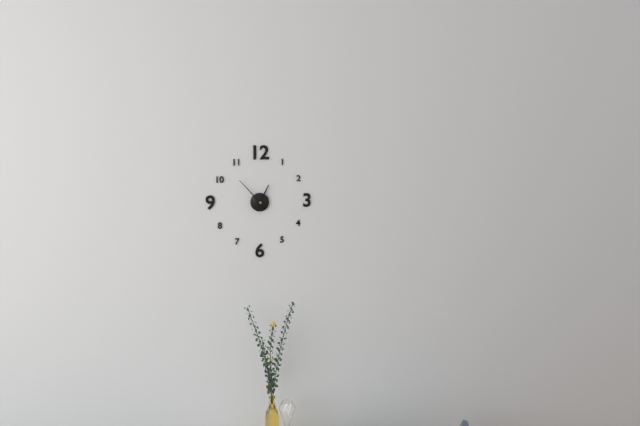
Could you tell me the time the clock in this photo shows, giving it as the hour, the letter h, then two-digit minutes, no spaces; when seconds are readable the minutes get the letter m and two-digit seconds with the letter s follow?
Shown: 12h53
